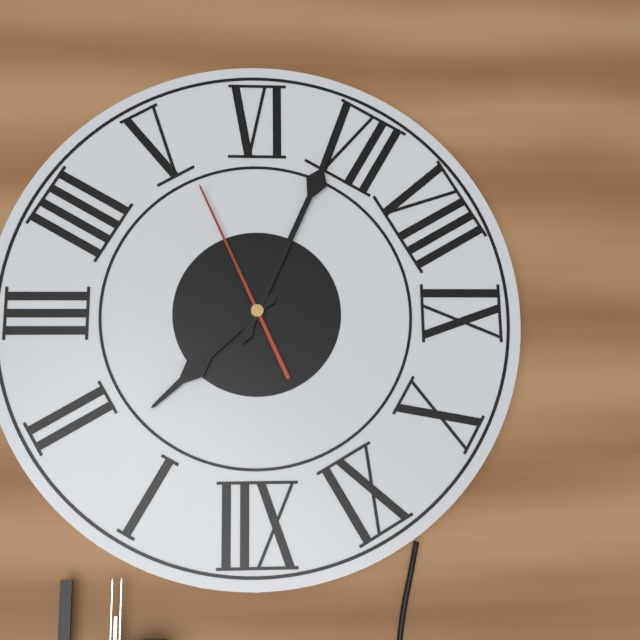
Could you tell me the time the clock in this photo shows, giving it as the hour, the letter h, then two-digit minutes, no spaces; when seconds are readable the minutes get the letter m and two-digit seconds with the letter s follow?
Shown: 1h34m26s
